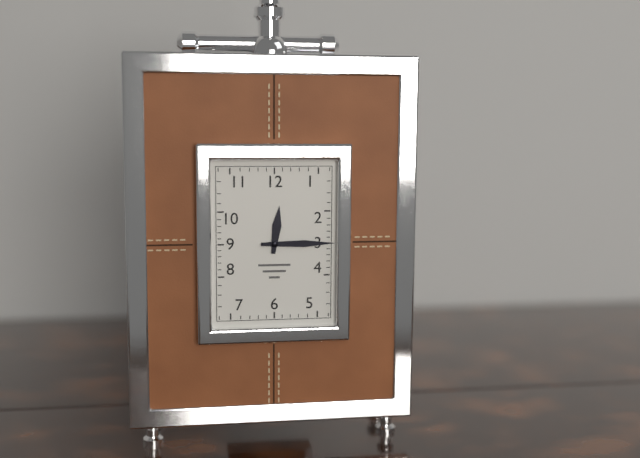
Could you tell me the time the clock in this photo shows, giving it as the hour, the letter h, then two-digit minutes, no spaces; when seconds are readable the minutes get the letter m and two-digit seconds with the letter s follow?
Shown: 12h15
